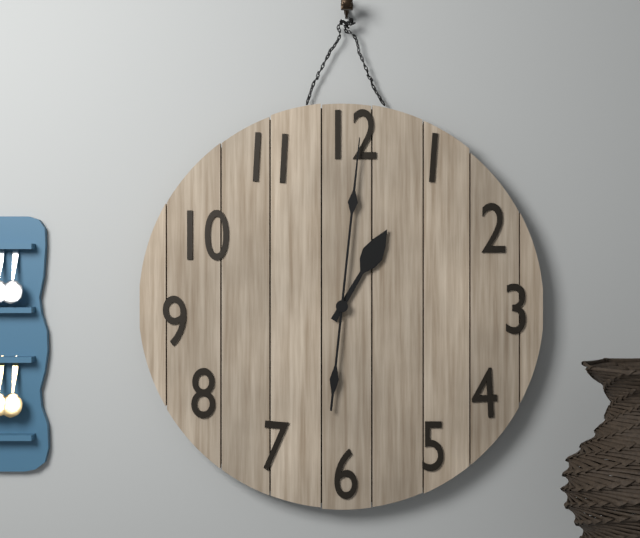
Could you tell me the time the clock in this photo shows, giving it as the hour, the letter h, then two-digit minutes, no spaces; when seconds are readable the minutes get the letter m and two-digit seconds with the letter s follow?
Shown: 1h01
